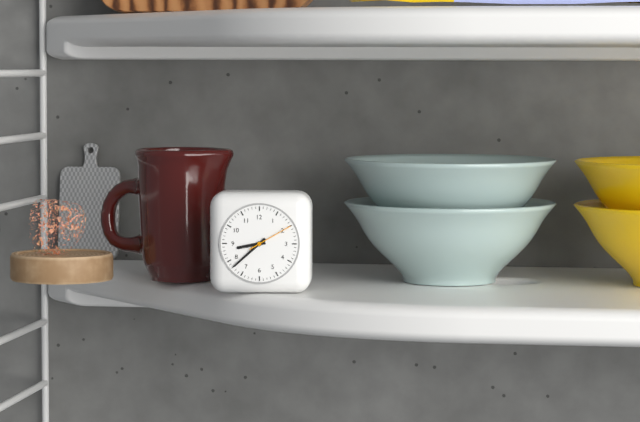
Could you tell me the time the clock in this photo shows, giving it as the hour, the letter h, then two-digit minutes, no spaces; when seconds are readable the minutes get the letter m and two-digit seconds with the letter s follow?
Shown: 8h38
